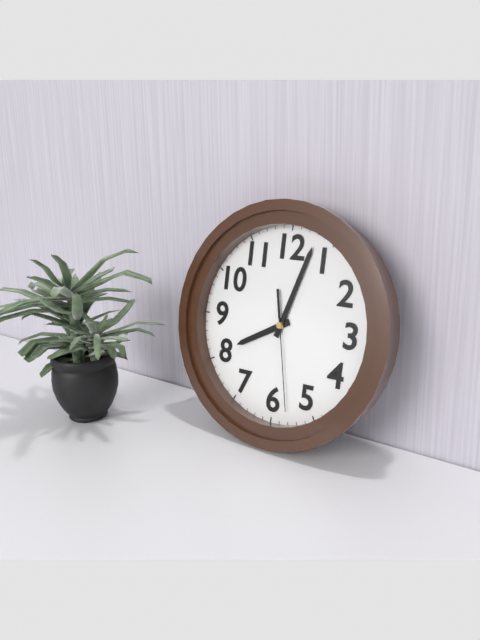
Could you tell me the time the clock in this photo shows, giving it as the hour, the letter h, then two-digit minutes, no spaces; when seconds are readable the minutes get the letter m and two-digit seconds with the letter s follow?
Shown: 8h03m28s
